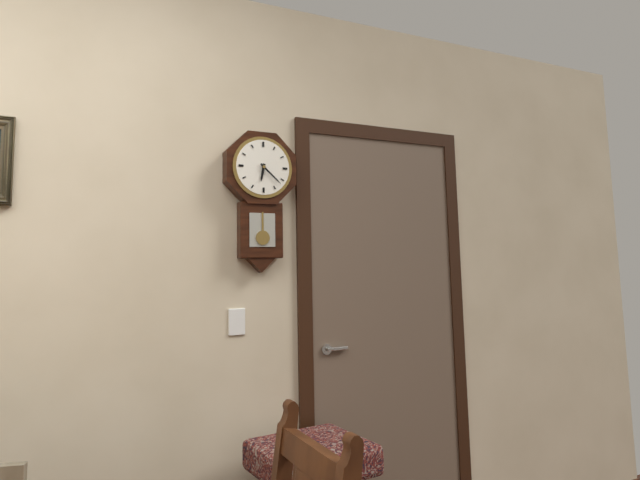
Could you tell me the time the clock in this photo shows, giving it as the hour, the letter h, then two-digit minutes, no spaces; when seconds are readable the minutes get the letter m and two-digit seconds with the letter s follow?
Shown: 6h22
